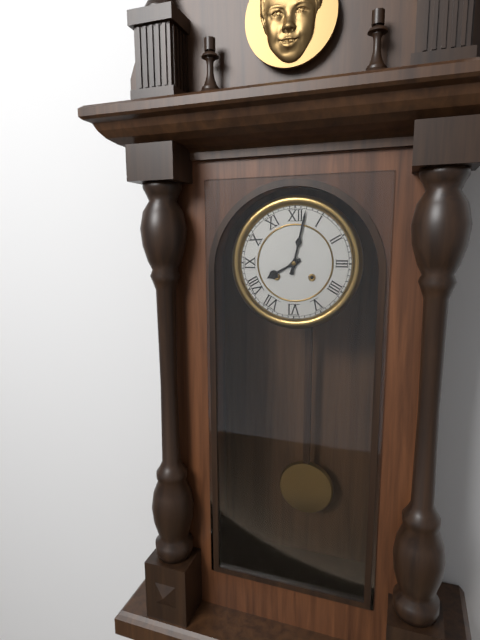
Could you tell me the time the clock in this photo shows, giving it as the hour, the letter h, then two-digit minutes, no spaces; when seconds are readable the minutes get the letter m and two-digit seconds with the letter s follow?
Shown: 8h02
